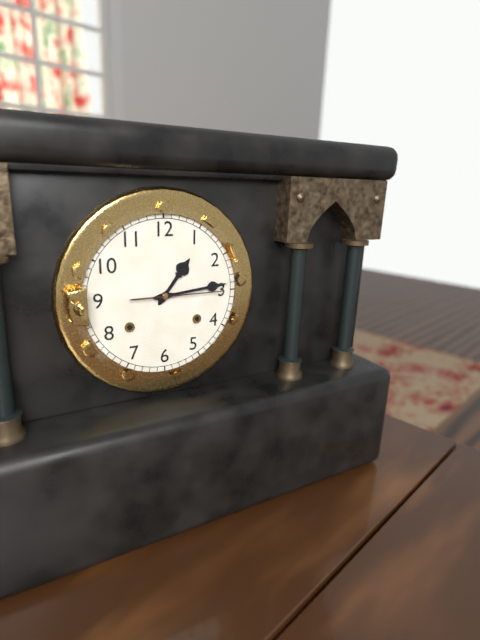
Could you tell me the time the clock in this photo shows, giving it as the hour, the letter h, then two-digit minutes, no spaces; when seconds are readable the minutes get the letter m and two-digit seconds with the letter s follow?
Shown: 1h14m15s
